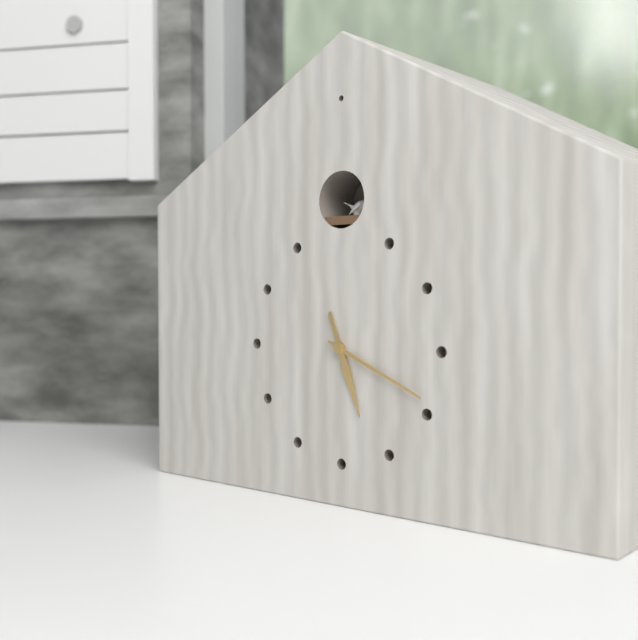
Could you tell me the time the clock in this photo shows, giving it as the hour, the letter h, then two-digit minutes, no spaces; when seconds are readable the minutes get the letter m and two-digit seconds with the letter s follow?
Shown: 5h19
